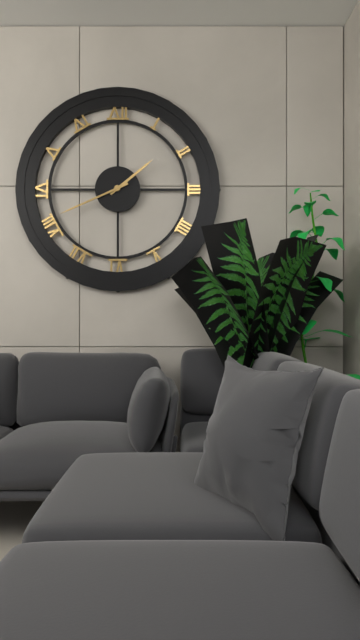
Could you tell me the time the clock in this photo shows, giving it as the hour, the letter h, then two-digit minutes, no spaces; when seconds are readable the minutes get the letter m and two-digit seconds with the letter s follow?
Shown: 1h41
